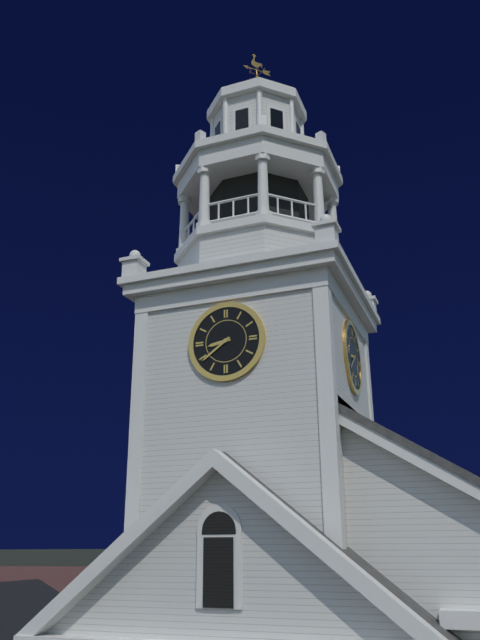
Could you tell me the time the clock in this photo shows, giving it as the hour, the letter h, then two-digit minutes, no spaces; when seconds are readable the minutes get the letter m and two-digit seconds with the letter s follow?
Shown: 8h39
